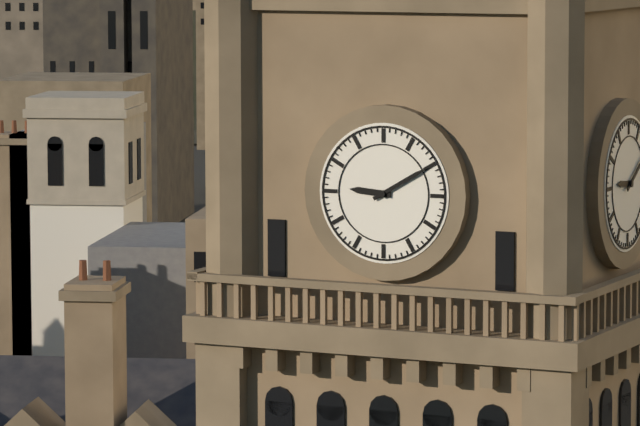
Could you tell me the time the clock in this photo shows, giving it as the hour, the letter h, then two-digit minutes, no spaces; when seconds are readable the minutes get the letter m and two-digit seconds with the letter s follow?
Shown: 9h10
